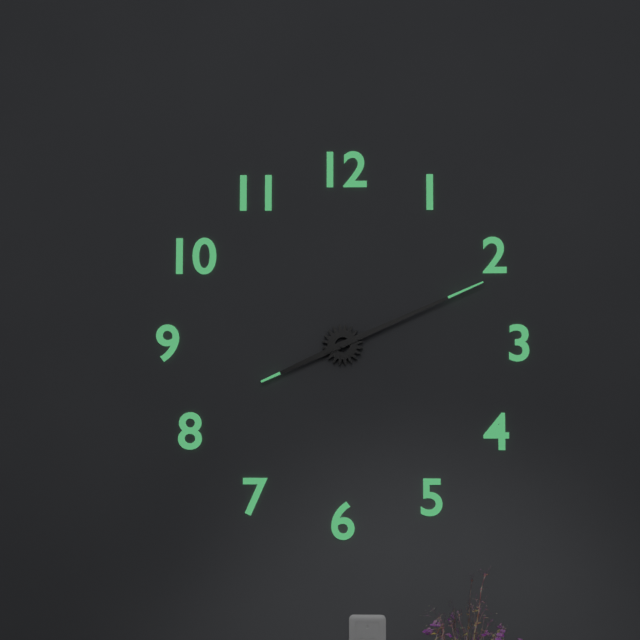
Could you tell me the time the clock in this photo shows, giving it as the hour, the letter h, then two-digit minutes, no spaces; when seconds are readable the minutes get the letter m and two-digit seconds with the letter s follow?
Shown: 8h11
